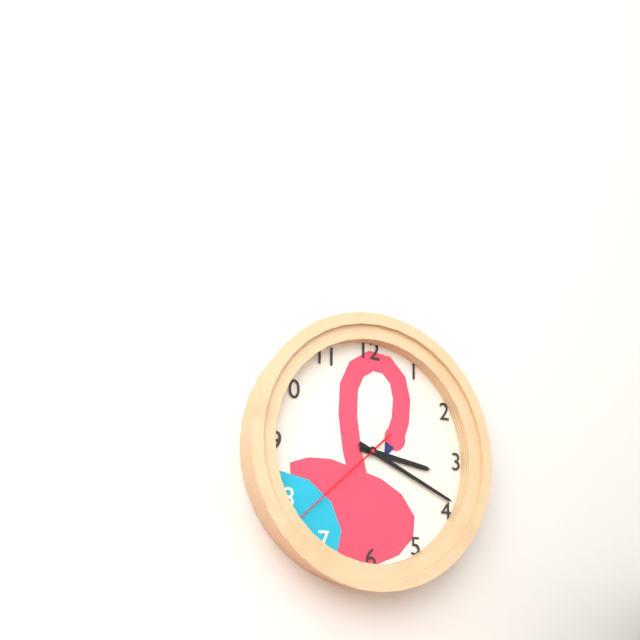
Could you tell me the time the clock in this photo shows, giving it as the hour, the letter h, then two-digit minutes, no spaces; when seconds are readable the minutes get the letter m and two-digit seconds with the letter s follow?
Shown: 3h19m38s
